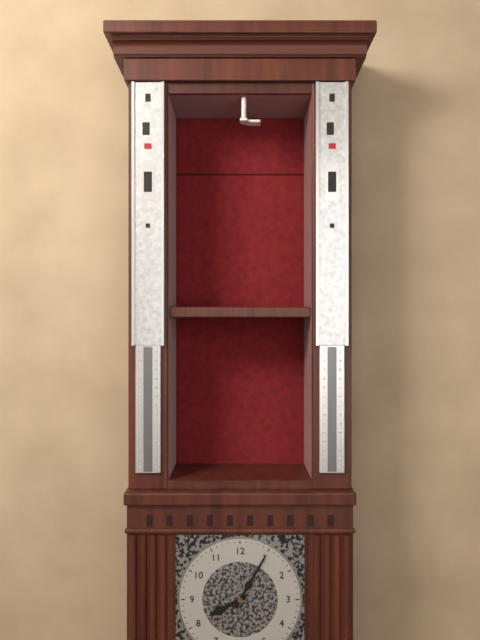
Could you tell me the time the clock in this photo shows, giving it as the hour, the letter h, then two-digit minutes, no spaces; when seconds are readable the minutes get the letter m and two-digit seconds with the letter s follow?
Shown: 8h05
